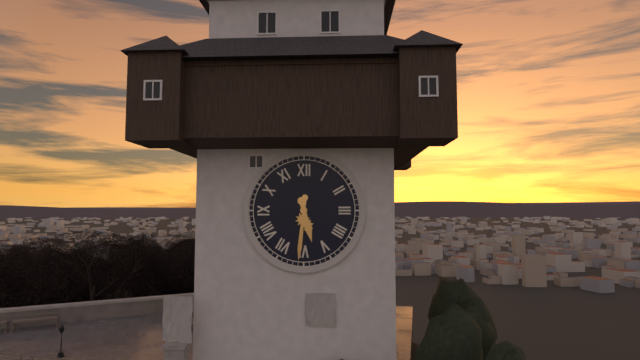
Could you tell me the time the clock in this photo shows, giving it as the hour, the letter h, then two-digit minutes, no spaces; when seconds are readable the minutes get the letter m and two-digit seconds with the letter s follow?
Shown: 5h31
